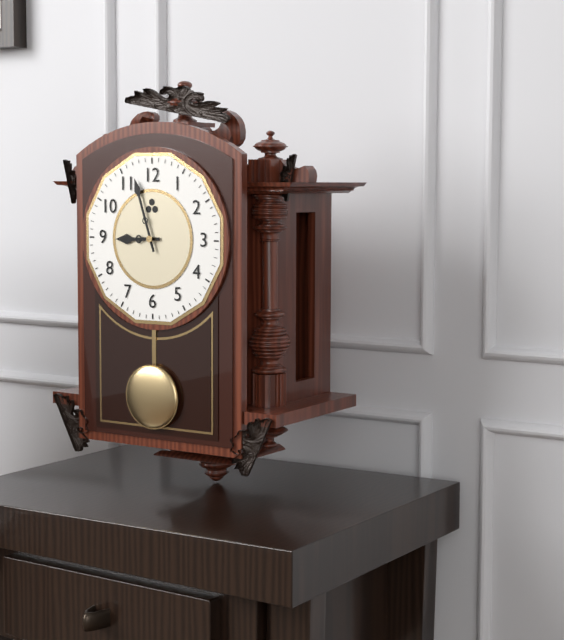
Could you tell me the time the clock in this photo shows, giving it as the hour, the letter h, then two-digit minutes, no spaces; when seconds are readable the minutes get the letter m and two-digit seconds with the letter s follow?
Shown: 8h57
